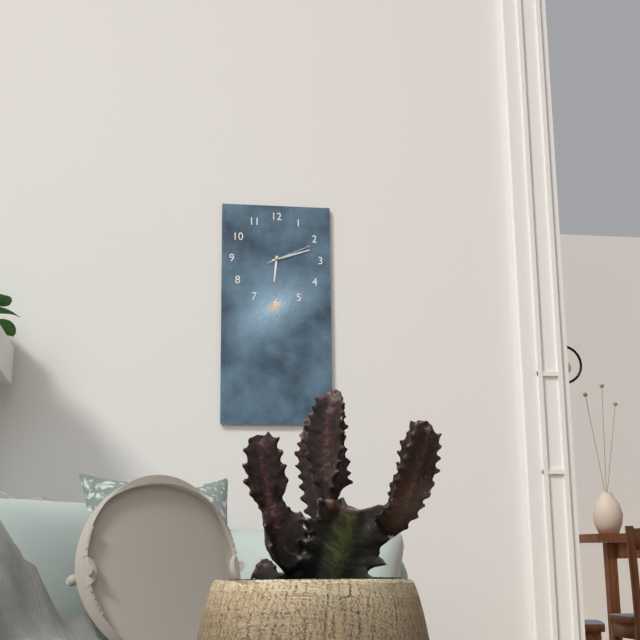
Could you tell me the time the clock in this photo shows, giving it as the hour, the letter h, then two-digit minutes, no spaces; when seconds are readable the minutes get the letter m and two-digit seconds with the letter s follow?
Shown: 6h12
